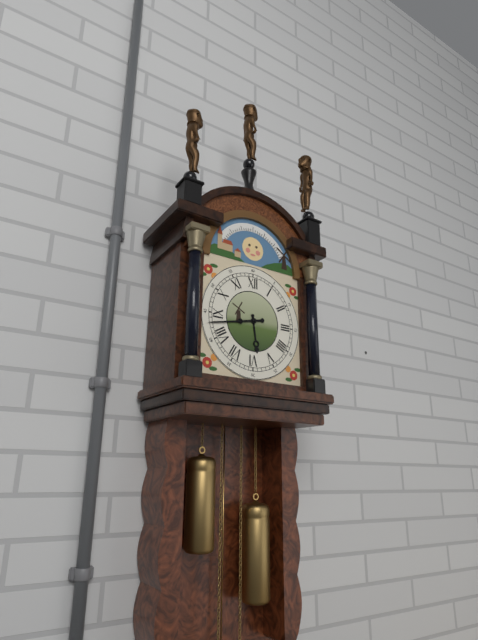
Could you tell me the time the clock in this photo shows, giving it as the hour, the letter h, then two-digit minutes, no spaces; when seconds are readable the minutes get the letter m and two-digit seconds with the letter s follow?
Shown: 5h43
